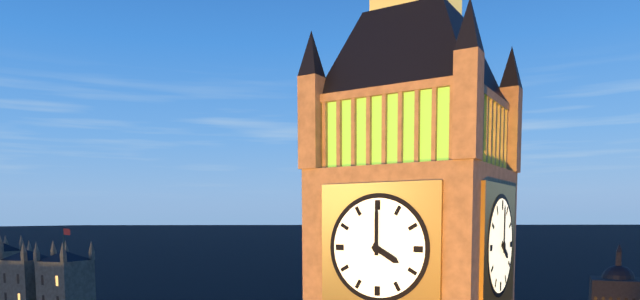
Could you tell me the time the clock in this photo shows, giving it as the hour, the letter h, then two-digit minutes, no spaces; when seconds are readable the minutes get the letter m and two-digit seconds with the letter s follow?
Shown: 4h00
